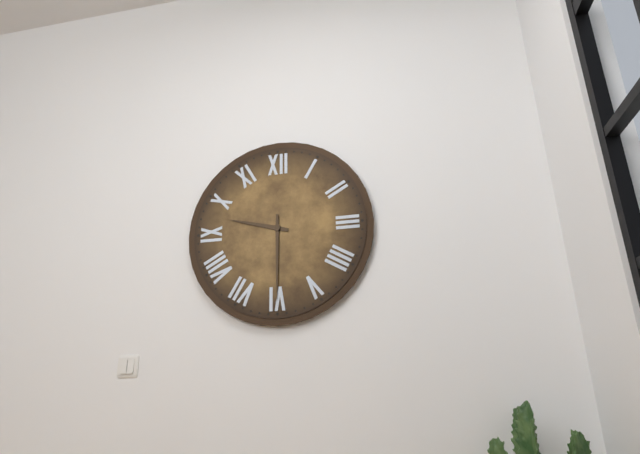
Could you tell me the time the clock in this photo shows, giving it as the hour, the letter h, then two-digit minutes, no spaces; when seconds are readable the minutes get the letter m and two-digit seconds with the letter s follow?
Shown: 9h30
